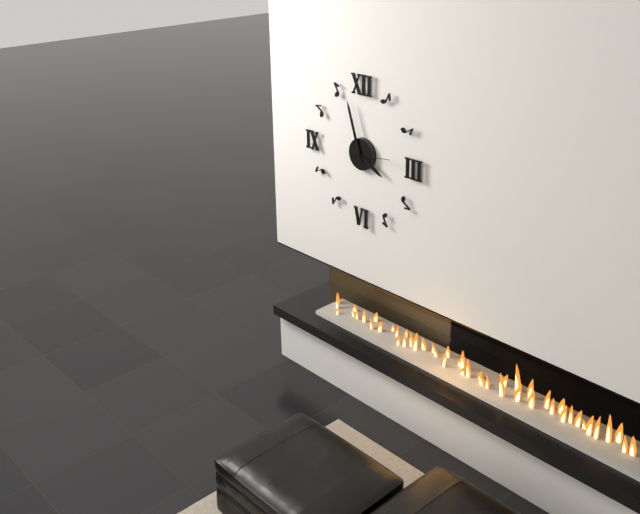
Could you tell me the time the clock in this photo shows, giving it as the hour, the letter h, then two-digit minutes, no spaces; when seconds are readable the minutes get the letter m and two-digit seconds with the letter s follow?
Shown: 3h57
